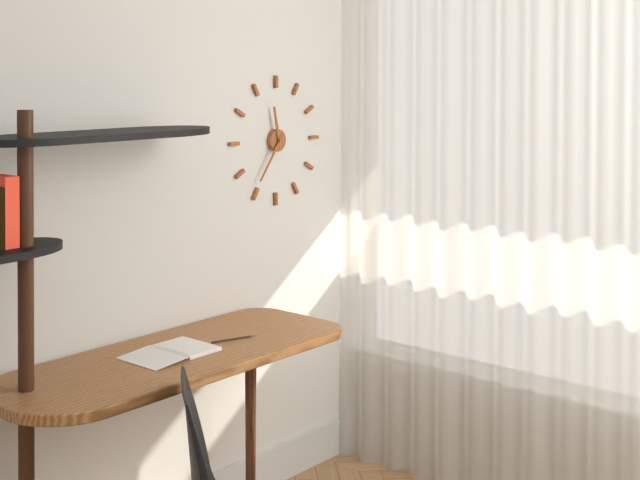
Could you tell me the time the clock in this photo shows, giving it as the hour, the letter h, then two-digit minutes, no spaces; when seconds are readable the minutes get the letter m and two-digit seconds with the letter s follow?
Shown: 11h36
